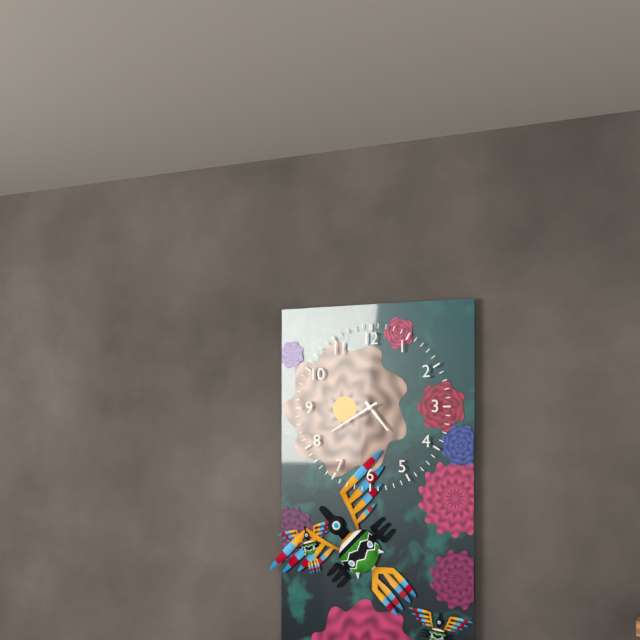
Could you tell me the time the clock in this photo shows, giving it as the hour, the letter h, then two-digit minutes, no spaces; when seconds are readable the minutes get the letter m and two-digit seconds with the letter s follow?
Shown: 4h40
